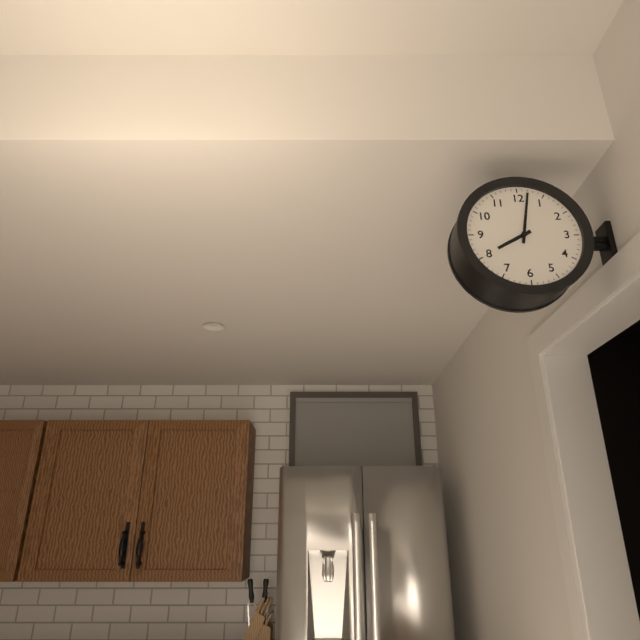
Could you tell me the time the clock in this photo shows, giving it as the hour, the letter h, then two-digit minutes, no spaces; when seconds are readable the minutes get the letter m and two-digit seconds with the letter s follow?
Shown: 8h02
